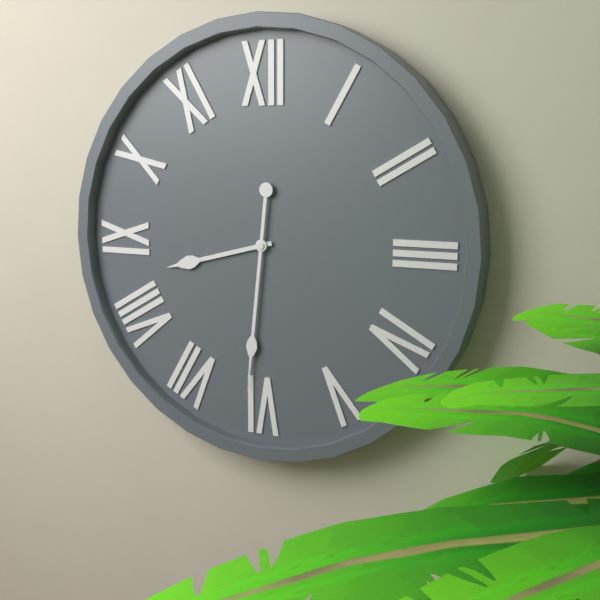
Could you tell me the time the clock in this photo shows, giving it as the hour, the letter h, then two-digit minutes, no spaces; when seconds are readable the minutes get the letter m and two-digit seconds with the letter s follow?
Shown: 8h31
